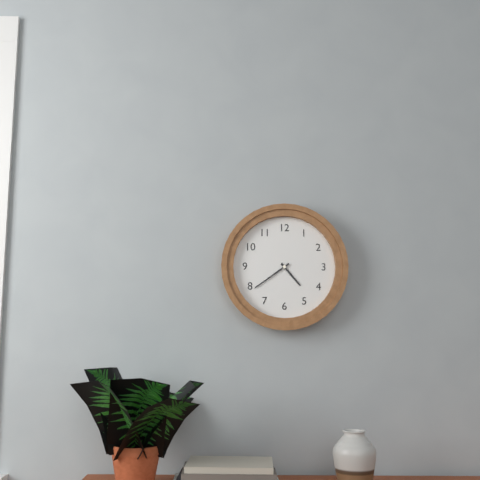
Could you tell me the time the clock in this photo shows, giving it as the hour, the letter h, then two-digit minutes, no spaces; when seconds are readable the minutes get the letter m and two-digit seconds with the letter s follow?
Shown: 4h39
